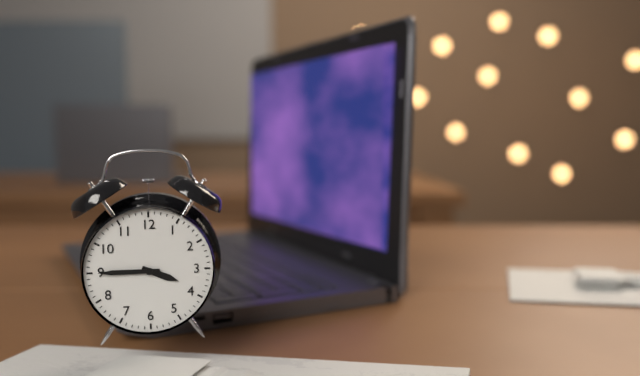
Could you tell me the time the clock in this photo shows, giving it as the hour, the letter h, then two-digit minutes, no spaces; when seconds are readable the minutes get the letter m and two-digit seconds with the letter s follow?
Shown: 3h45
